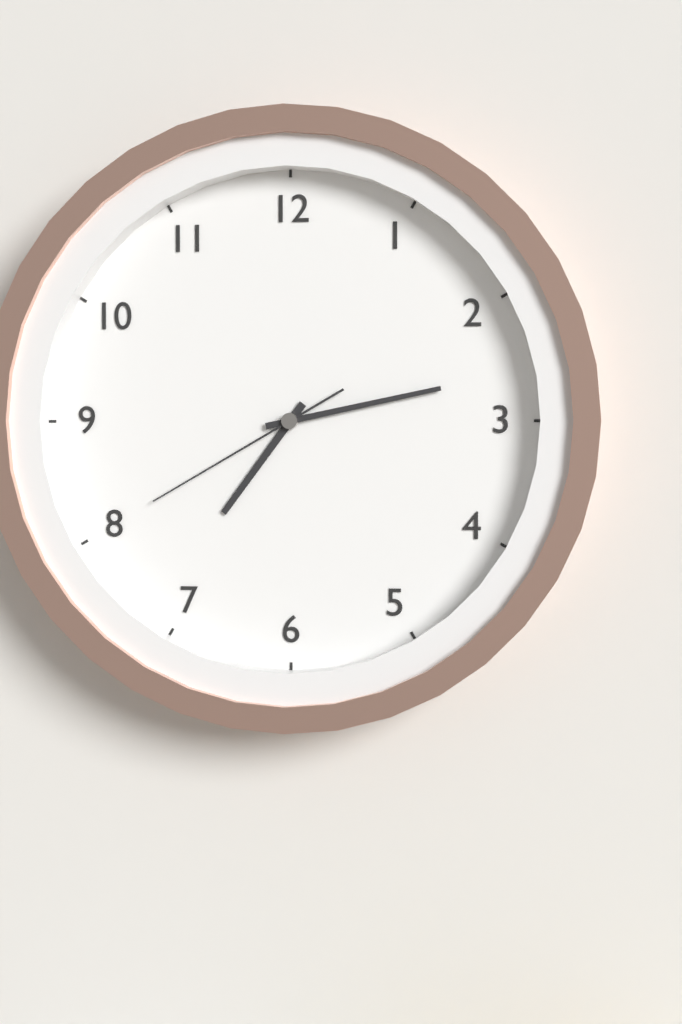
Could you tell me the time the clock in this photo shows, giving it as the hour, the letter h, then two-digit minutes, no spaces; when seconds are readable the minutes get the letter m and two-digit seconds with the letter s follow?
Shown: 7h13m40s
